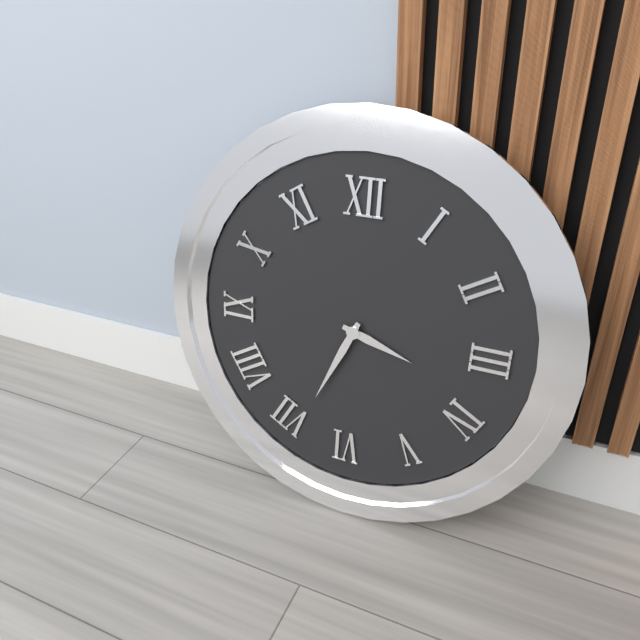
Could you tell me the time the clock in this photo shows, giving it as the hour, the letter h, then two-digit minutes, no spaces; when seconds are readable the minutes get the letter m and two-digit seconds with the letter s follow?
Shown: 3h34
